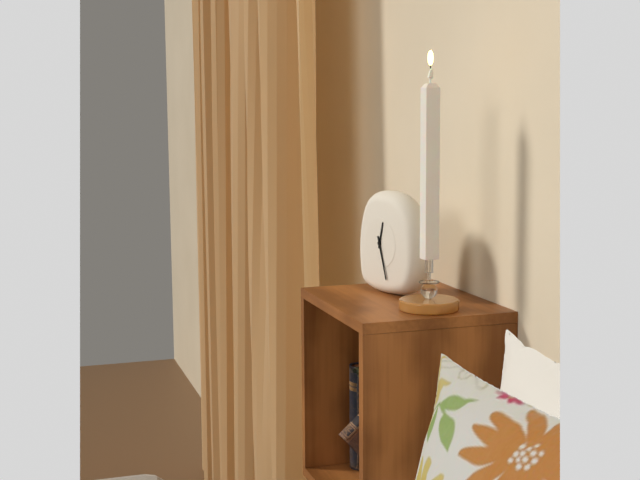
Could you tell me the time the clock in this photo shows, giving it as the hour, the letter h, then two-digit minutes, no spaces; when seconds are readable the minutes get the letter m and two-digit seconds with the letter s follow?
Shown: 12h27
